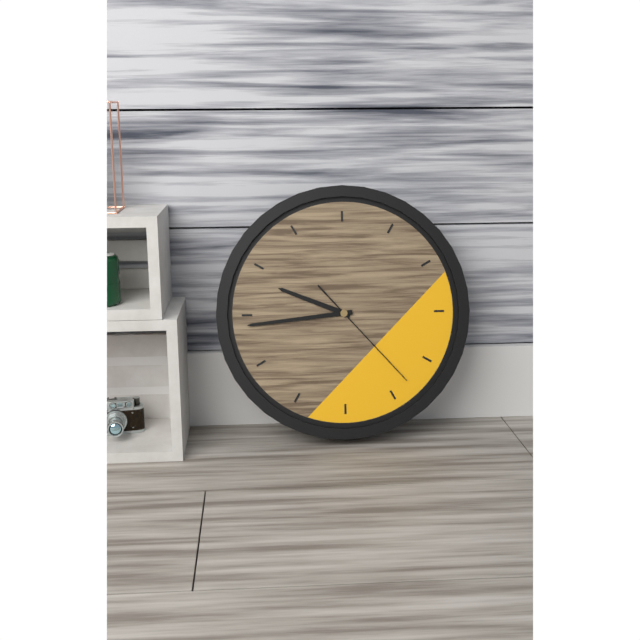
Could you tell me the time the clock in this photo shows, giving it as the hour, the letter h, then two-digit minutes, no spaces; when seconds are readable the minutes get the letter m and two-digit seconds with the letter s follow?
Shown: 9h44m23s
